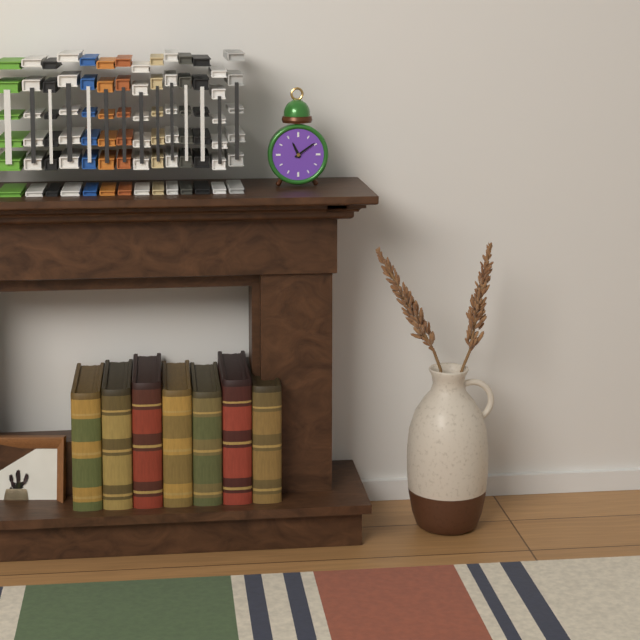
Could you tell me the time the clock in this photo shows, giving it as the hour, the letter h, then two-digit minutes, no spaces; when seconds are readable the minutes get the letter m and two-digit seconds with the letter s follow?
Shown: 11h09
